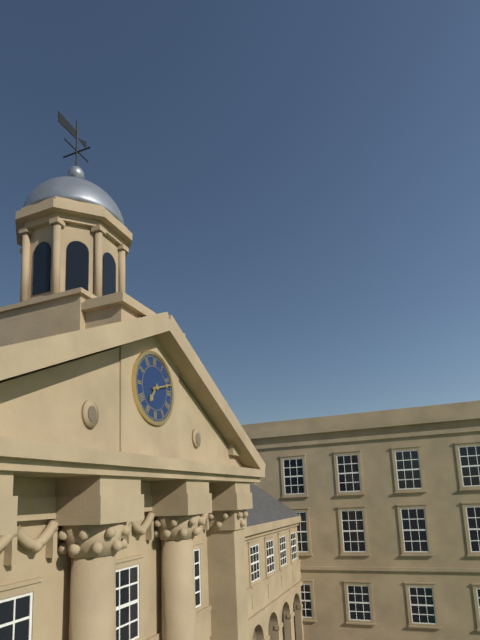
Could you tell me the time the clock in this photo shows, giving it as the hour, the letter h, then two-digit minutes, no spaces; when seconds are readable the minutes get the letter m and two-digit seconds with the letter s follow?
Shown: 7h12
